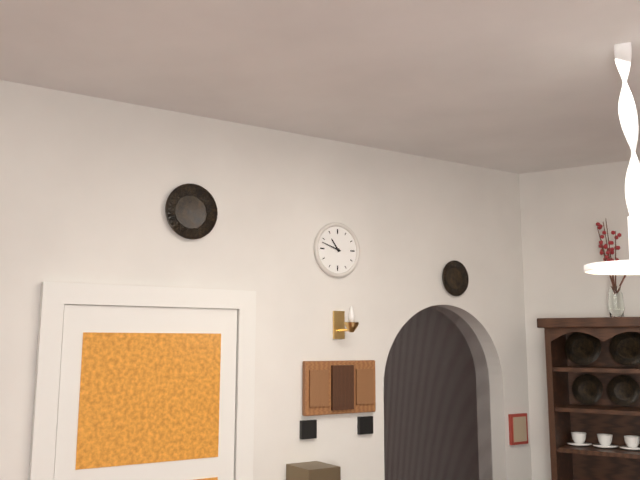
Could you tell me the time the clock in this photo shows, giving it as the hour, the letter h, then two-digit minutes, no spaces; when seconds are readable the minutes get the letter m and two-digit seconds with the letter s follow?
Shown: 10h48
